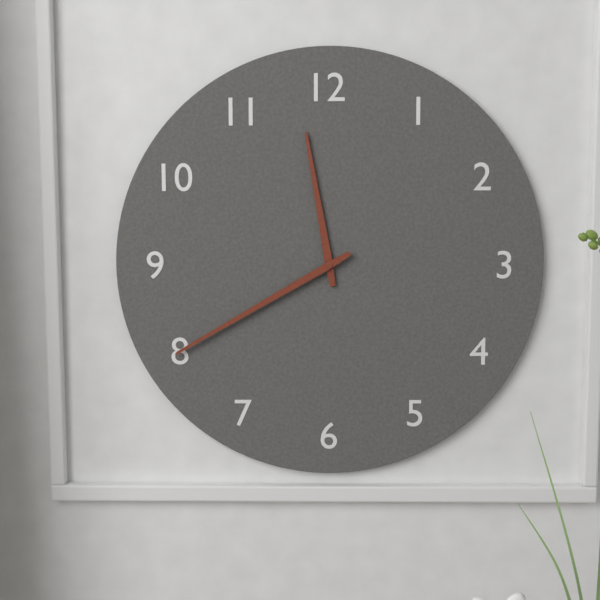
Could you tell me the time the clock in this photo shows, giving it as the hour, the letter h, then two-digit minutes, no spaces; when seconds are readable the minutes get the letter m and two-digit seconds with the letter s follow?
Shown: 11h40
